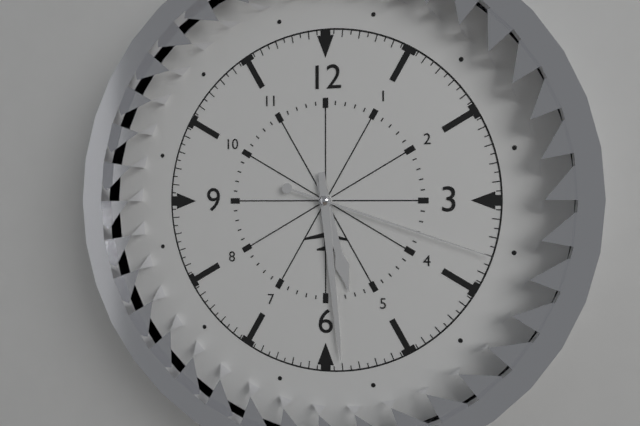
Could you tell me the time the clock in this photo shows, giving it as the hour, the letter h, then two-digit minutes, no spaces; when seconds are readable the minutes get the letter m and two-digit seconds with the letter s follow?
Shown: 5h29m18s
